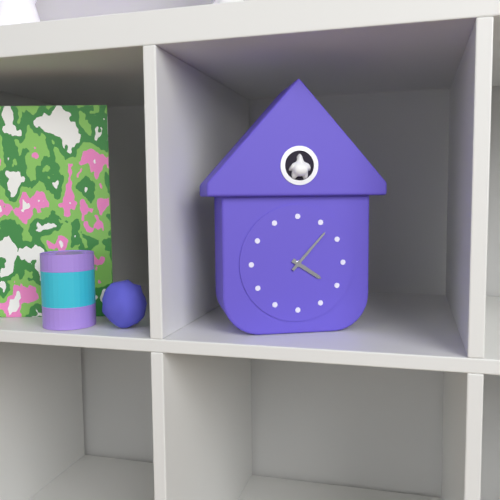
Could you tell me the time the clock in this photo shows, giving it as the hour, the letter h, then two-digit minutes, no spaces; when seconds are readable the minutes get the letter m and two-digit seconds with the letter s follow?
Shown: 4h07
